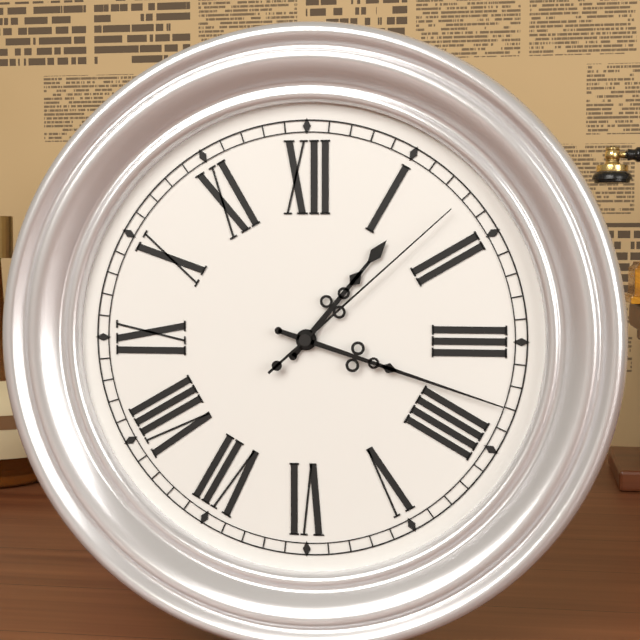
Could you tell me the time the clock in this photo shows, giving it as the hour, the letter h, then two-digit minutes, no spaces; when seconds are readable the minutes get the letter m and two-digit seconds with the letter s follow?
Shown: 1h18m08s
